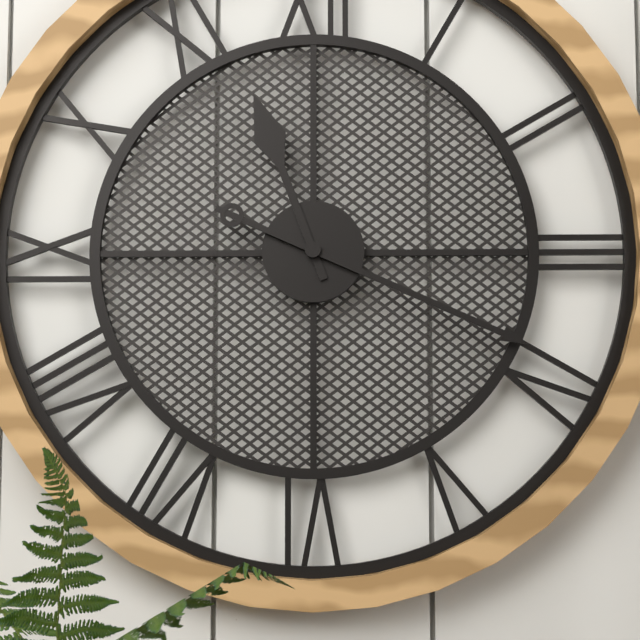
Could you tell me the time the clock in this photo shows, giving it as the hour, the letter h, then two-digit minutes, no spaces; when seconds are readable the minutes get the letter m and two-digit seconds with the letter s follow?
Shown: 11h19
